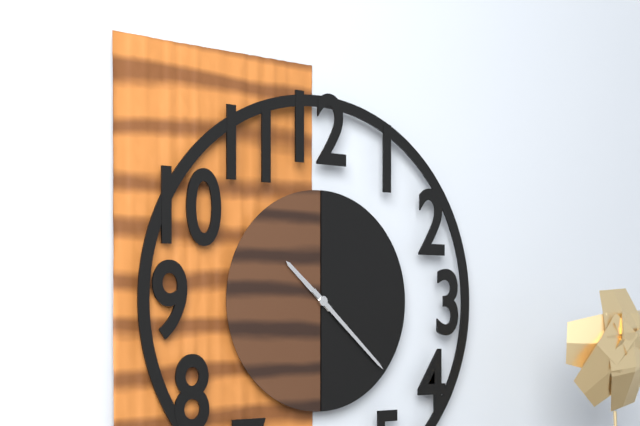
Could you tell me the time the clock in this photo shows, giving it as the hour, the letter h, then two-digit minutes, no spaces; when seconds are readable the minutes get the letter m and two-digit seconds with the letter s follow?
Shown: 10h22
